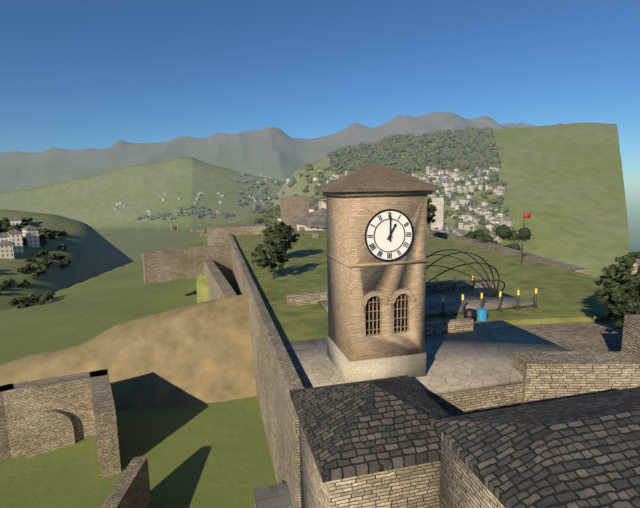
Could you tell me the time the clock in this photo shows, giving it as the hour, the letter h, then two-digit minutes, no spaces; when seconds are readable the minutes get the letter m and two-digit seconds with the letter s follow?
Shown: 1h00
